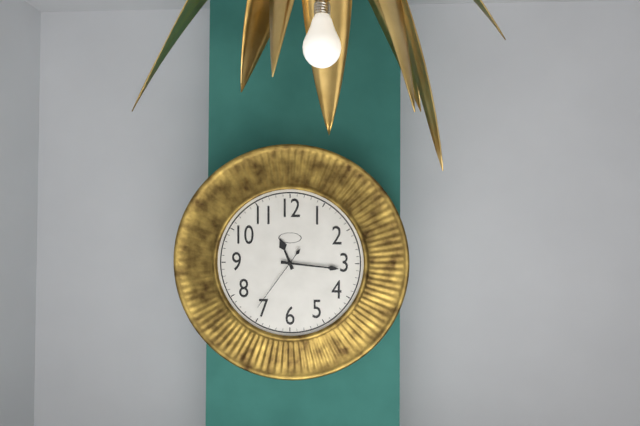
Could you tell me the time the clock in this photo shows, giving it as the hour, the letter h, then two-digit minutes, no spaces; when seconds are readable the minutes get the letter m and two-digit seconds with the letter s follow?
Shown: 11h16m36s
